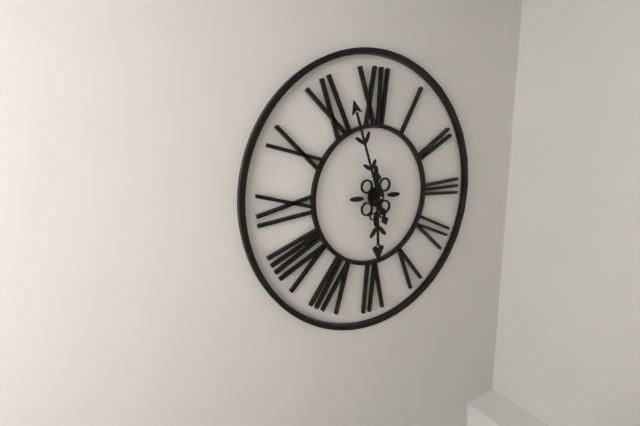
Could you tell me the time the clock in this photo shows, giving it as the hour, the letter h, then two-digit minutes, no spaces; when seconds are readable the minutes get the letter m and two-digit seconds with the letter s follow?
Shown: 5h57
